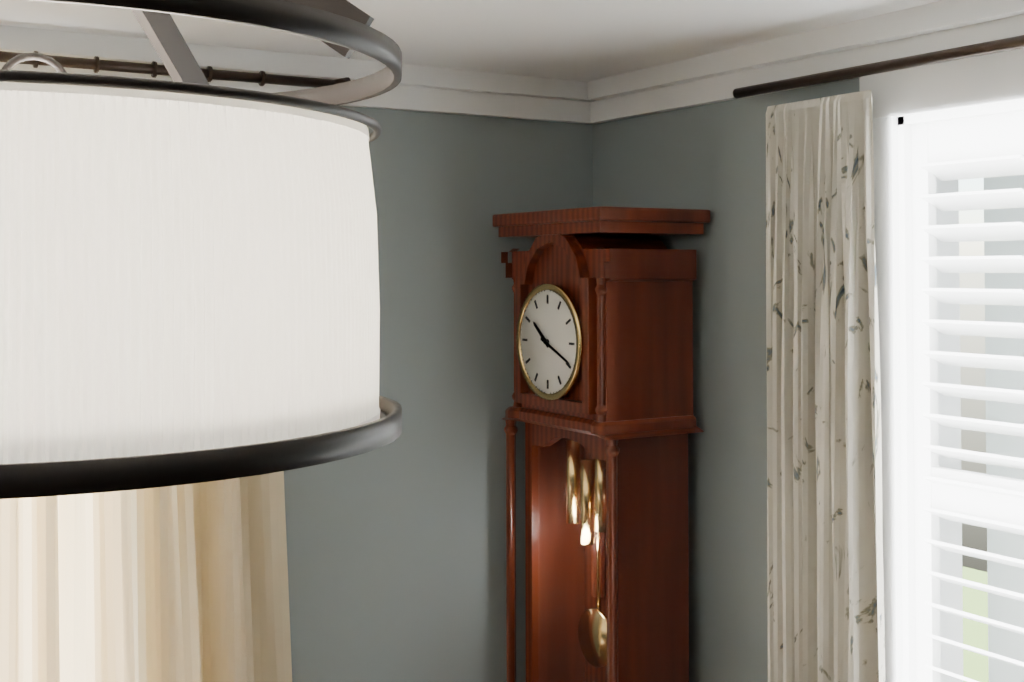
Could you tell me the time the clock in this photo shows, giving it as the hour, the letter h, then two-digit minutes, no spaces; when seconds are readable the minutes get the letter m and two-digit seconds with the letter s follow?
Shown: 10h19
